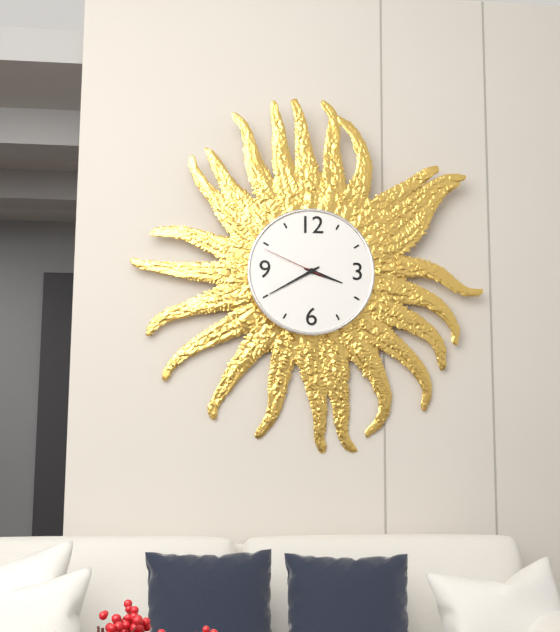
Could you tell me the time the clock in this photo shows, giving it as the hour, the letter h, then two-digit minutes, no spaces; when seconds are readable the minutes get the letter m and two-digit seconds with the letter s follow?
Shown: 3h40m49s
